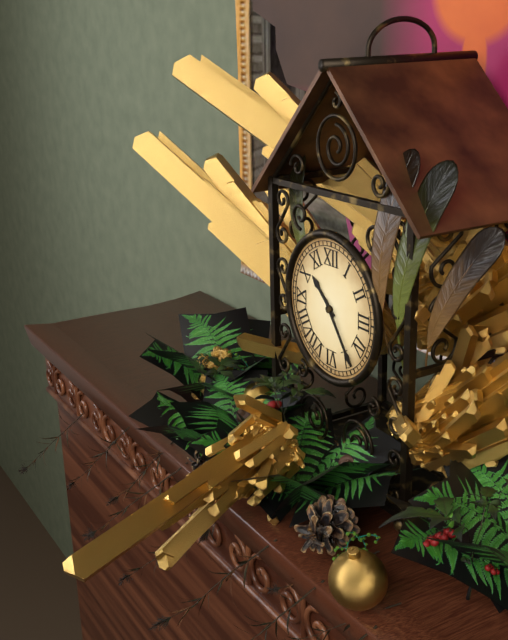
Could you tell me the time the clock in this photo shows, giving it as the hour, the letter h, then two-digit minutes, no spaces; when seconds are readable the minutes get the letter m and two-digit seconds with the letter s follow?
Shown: 10h24
